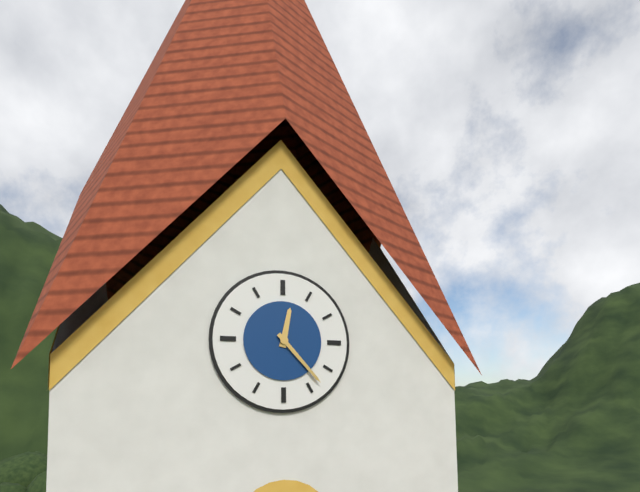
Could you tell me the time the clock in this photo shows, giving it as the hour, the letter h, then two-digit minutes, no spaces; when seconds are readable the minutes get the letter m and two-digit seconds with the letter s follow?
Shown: 12h23
